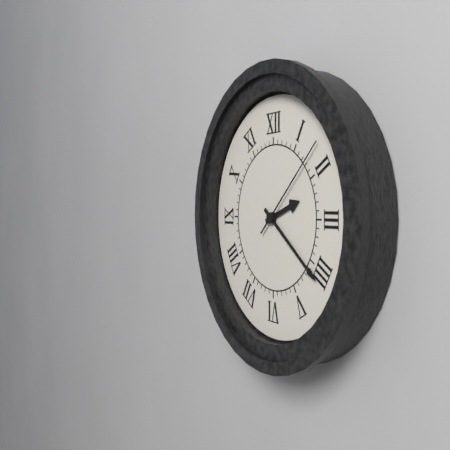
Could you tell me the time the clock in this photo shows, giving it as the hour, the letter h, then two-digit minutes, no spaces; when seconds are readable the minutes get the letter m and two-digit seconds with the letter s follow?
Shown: 2h21m08s
